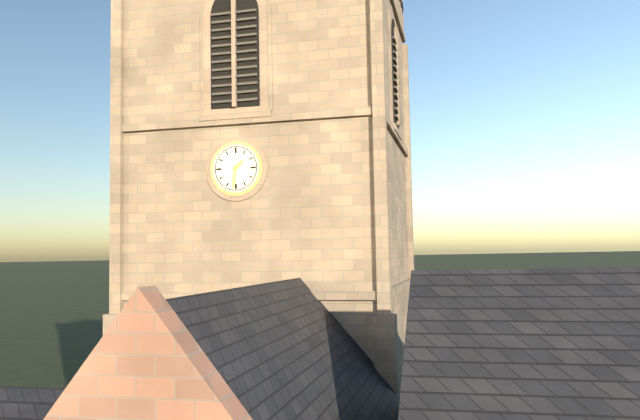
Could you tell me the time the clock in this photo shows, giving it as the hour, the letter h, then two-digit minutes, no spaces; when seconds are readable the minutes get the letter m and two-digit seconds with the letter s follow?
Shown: 1h31
